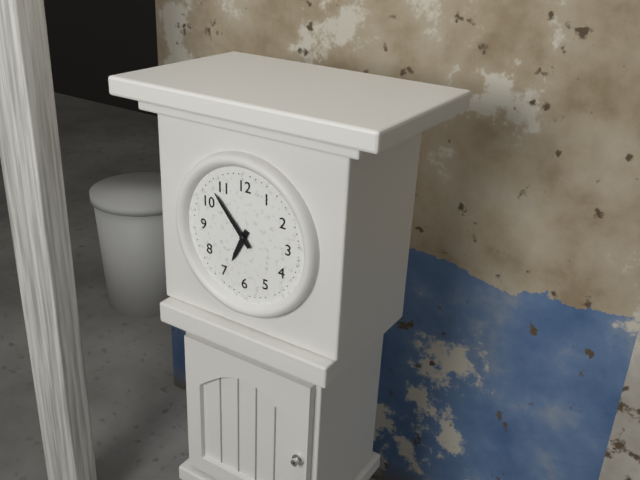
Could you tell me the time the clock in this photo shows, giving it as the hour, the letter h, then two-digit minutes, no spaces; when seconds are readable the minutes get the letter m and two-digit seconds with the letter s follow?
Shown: 6h53
